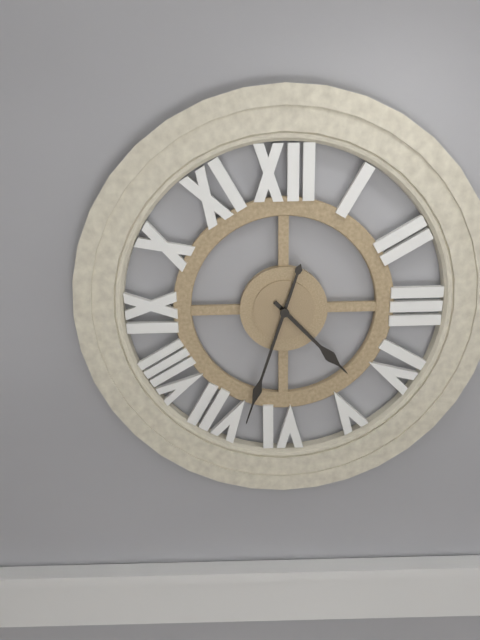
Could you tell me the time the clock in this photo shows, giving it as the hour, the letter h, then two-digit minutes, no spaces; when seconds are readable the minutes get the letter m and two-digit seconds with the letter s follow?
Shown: 4h33
